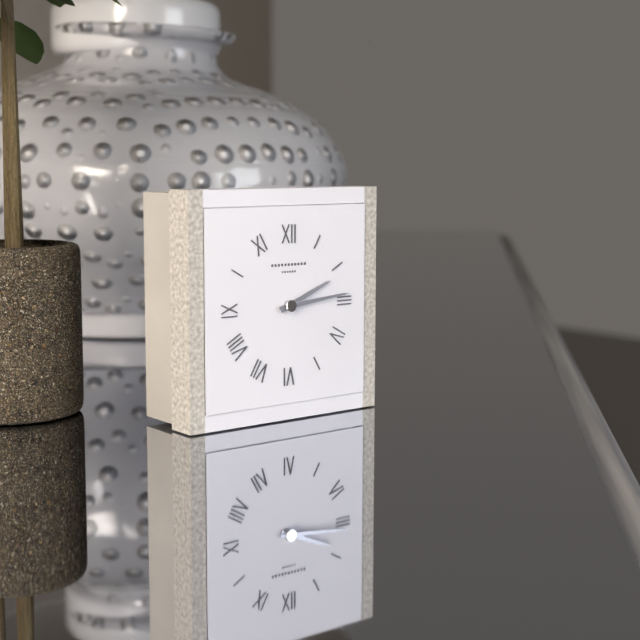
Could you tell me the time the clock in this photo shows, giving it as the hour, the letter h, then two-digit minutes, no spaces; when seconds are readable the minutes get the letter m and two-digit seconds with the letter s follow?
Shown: 2h14
